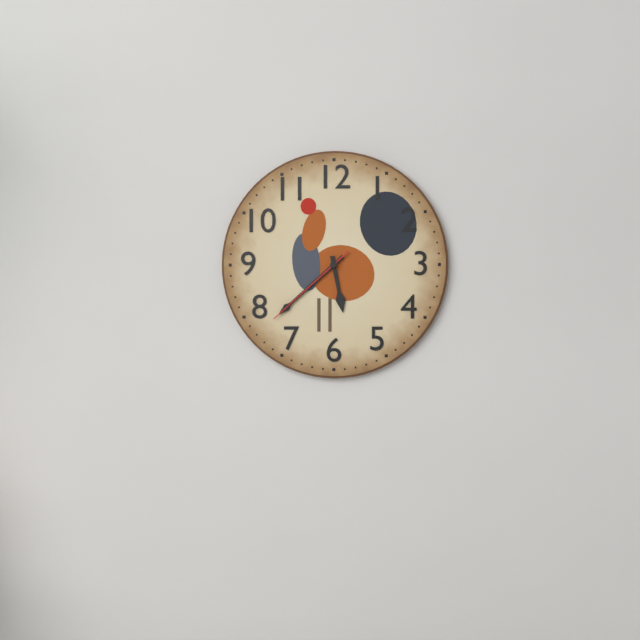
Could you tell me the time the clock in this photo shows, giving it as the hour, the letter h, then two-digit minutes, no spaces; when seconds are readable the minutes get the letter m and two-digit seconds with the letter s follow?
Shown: 5h38m38s
